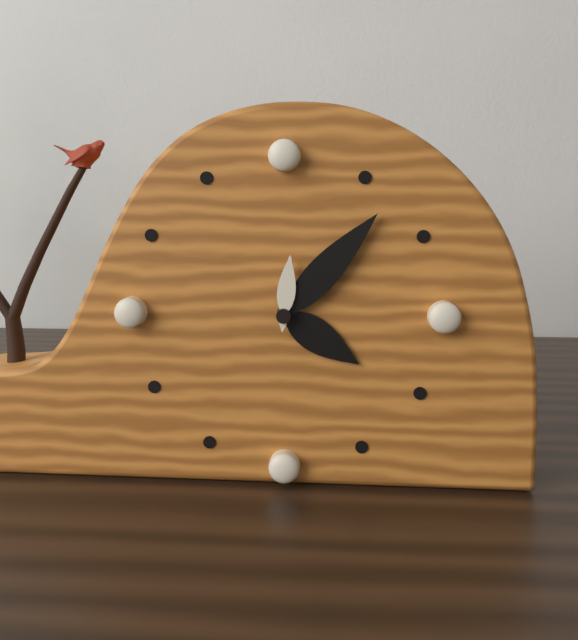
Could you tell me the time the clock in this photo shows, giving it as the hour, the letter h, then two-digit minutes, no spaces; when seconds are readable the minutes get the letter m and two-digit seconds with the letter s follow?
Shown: 4h07m01s
